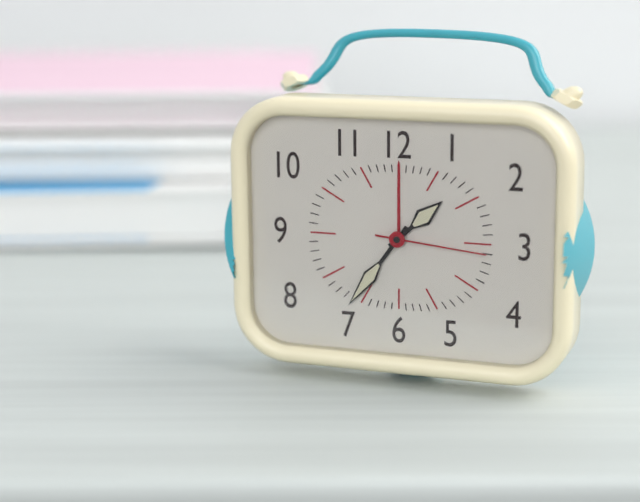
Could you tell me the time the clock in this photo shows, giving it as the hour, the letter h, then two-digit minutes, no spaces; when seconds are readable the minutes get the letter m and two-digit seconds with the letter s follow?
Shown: 1h36m16s
